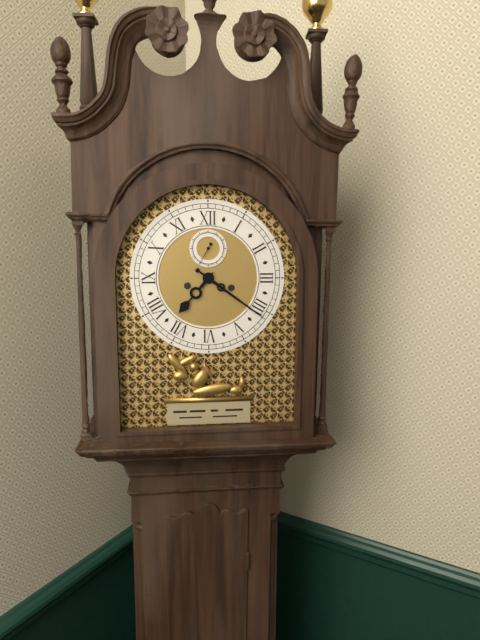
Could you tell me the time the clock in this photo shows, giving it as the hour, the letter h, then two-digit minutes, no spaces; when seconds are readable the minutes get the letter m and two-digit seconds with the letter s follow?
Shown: 7h21
